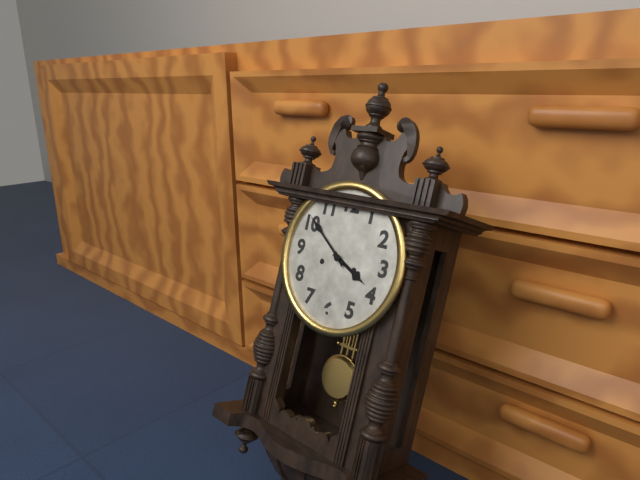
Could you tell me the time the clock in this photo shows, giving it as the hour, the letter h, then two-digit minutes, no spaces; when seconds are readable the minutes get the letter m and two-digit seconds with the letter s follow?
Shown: 3h51
